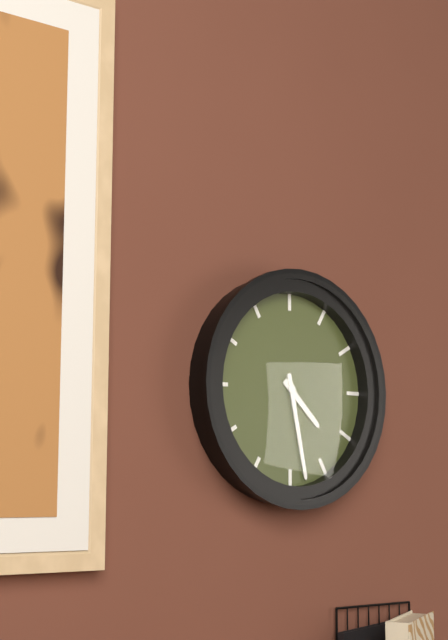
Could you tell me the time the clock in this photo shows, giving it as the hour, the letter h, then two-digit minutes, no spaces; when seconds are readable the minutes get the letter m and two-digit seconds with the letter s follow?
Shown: 4h28
